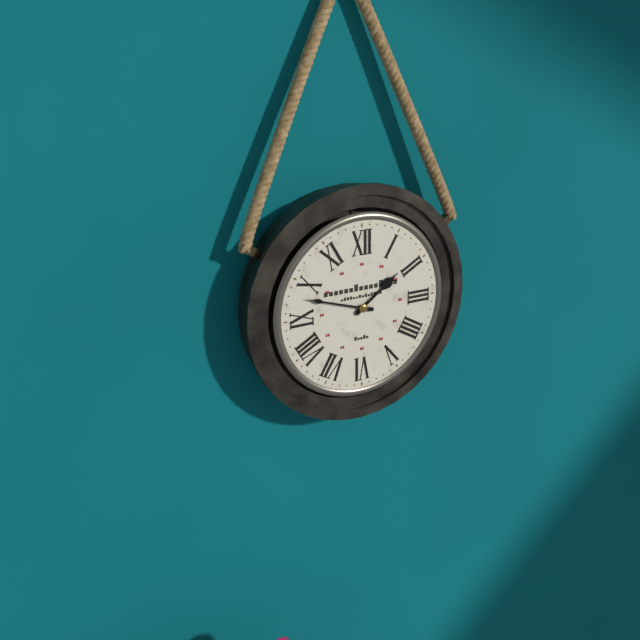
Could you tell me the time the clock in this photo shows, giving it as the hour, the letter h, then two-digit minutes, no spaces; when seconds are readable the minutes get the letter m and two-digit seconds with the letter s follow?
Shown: 1h48
